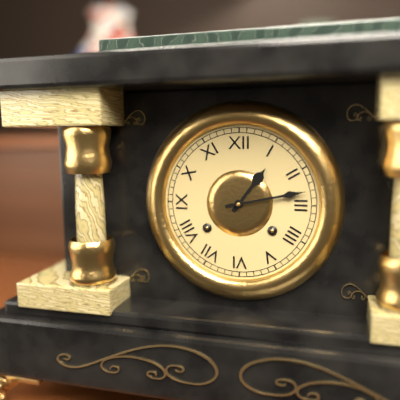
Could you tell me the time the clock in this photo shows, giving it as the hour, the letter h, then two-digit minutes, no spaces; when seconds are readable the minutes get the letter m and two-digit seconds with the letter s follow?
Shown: 1h13
